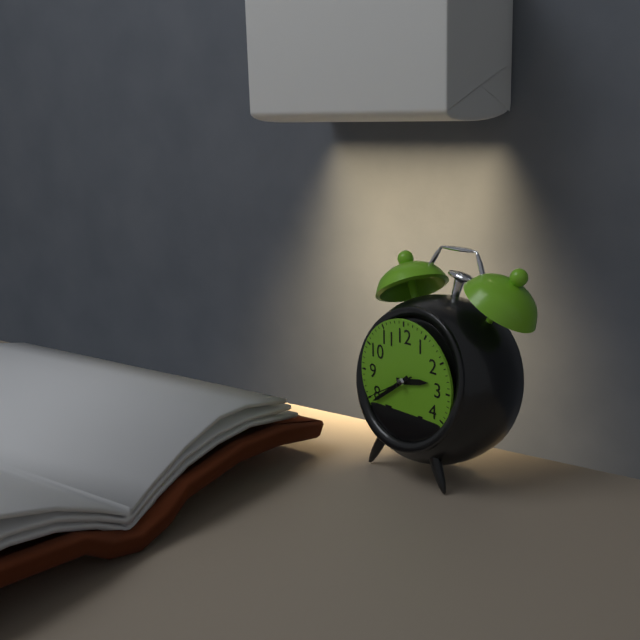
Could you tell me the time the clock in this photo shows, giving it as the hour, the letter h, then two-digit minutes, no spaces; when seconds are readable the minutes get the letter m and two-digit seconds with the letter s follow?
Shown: 2h39
